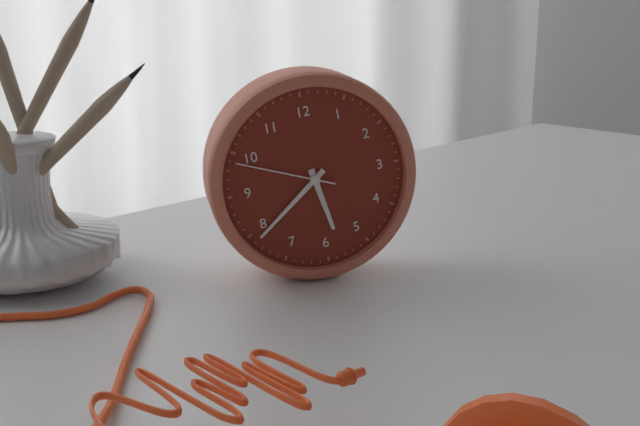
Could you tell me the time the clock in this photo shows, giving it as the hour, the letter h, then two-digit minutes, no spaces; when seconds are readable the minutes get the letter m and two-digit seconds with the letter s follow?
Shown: 5h39m49s
